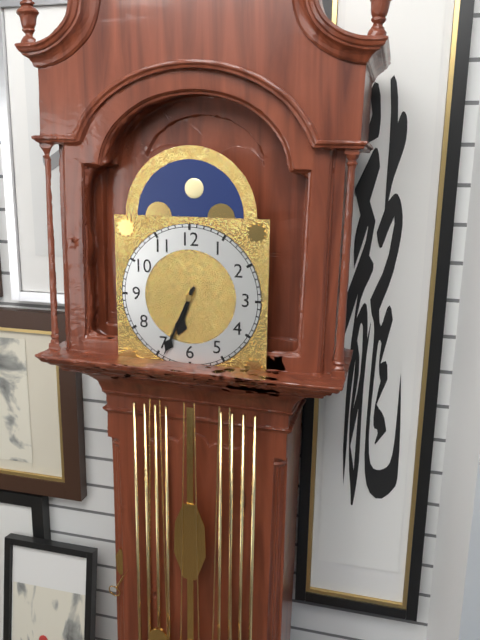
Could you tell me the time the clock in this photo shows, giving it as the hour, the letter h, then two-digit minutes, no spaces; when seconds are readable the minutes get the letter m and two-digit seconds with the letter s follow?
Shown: 6h34
